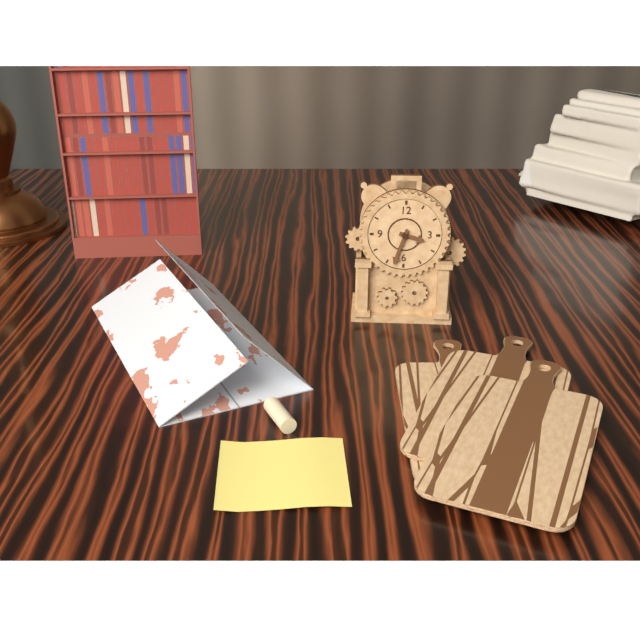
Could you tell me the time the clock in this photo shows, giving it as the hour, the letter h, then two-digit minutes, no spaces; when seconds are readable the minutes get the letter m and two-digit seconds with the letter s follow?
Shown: 3h33
